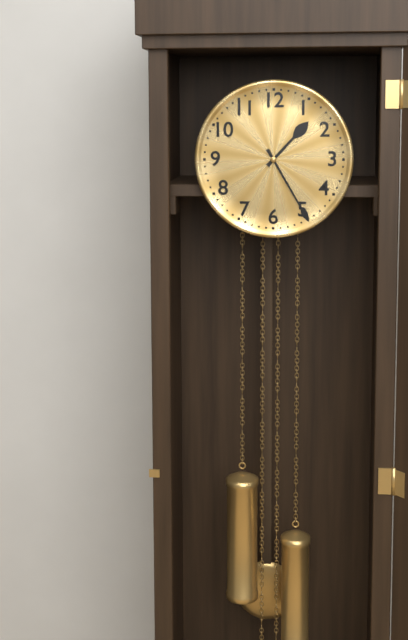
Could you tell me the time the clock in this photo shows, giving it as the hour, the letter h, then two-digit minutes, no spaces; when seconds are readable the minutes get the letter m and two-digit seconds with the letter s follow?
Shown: 1h25
